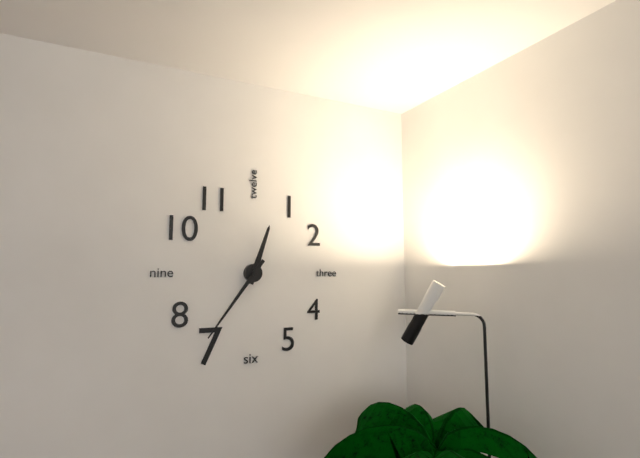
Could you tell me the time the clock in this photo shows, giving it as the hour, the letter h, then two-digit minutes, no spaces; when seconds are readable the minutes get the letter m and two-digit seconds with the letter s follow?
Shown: 12h36
